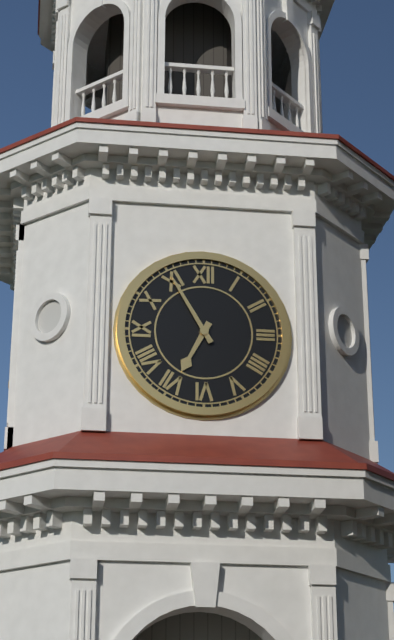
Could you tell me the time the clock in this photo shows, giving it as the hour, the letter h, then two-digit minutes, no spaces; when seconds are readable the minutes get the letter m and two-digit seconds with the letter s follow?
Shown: 6h55
